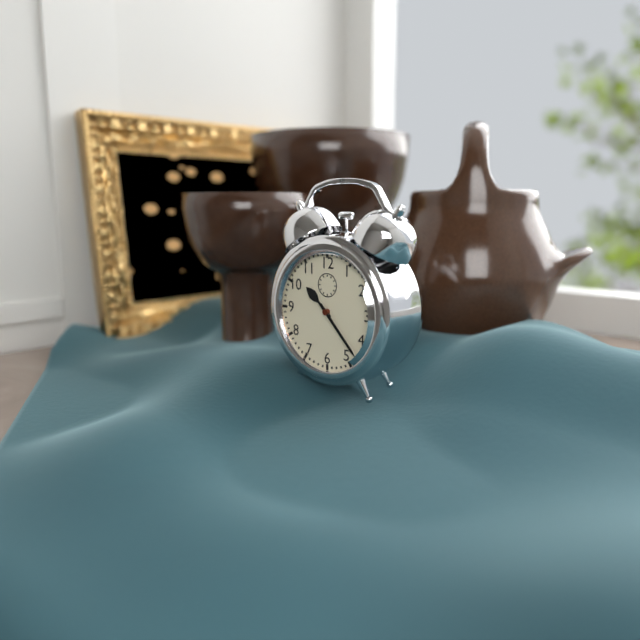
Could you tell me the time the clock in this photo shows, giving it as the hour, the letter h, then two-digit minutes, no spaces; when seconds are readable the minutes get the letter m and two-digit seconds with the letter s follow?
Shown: 10h23
